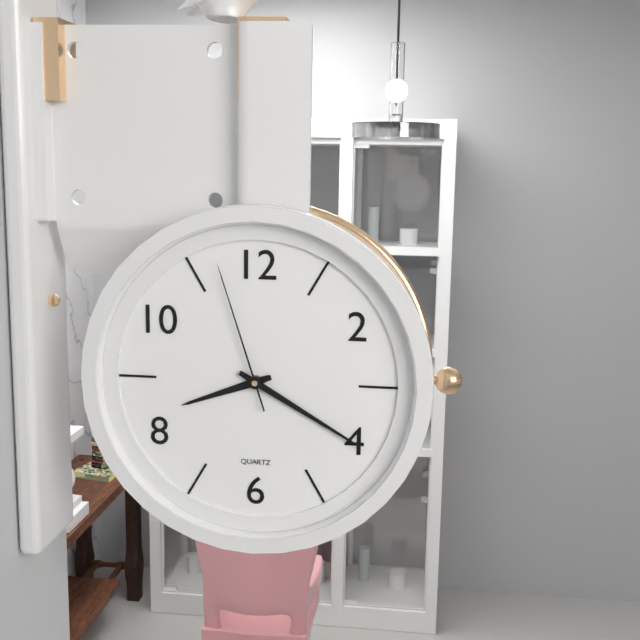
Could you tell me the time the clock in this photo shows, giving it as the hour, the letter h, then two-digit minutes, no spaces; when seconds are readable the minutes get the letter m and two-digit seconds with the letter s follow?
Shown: 8h20m57s
